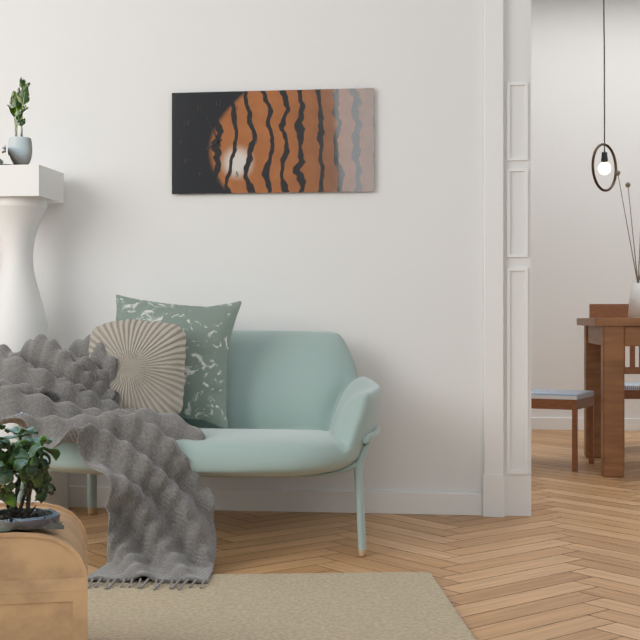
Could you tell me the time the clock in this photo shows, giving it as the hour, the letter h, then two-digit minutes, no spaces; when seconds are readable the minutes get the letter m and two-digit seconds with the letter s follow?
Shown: 7h56
